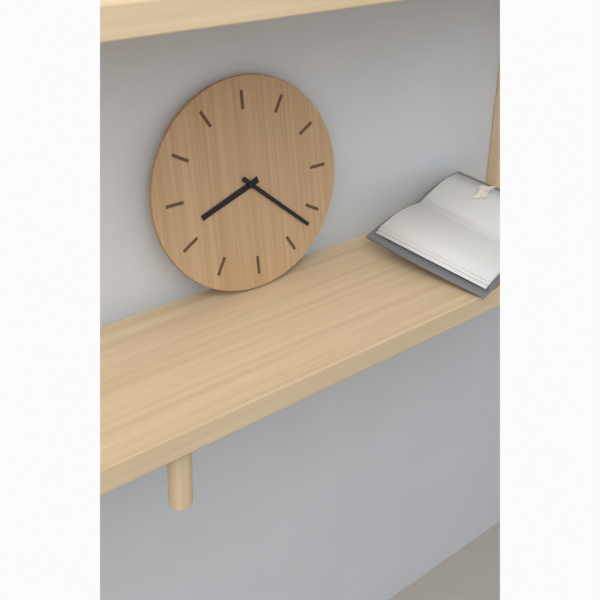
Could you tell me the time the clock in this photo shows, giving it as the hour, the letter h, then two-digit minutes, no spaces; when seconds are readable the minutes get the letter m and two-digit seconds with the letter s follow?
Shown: 8h22
